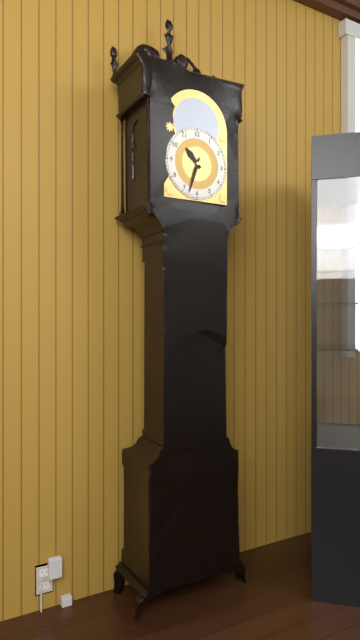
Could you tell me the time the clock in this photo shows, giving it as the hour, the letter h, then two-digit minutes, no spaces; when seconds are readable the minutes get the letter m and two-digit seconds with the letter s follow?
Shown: 10h33
